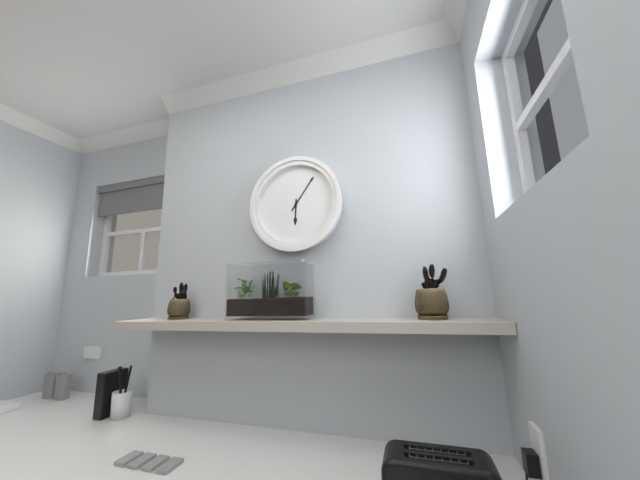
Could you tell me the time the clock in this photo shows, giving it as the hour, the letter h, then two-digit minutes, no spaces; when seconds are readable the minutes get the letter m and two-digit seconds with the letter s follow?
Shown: 6h06
